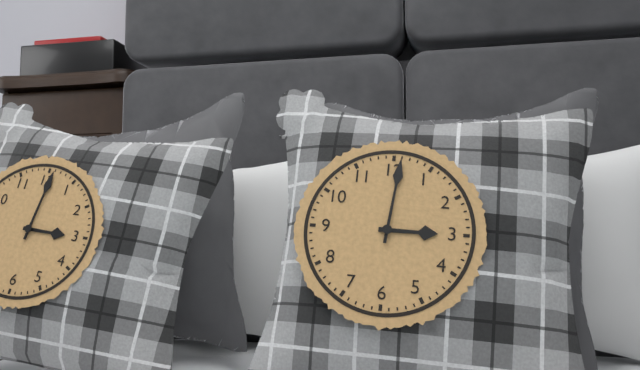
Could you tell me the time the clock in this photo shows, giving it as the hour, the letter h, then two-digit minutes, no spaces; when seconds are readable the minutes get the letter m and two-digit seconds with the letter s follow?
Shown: 3h01
